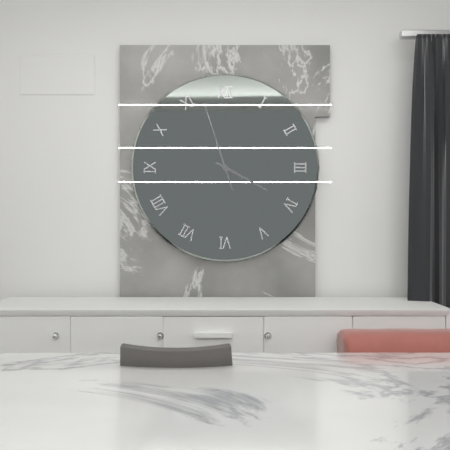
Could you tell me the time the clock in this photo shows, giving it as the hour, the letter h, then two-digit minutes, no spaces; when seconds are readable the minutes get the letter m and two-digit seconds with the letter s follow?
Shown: 3h57
